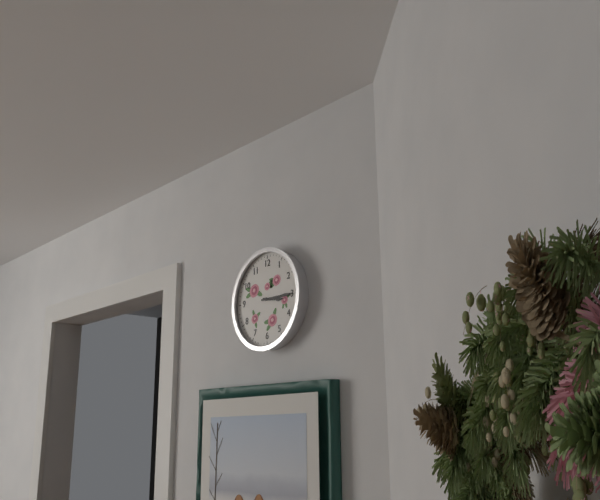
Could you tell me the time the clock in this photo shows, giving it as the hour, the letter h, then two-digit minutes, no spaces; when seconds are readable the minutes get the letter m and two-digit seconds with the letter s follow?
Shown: 3h15
